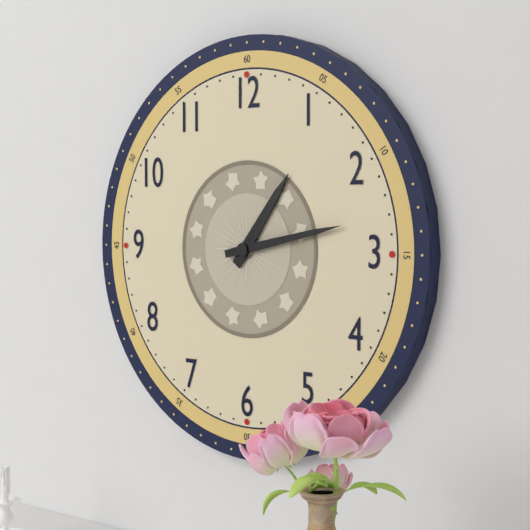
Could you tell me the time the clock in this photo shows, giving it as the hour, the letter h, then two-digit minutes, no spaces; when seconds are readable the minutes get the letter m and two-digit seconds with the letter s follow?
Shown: 1h13
